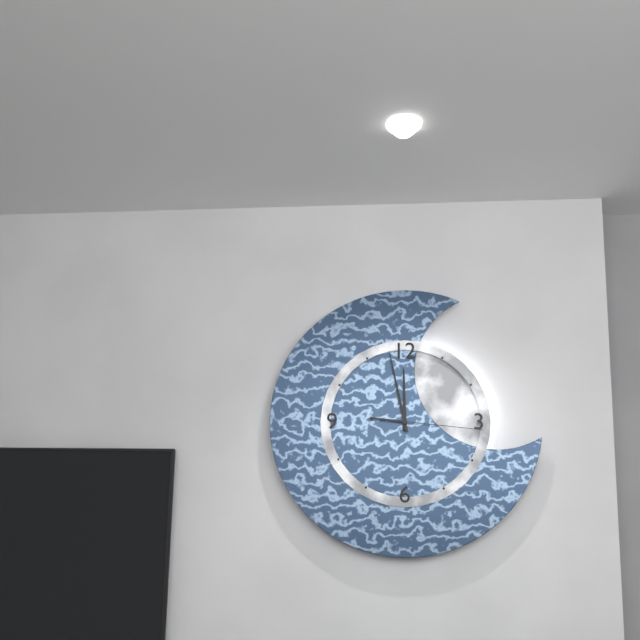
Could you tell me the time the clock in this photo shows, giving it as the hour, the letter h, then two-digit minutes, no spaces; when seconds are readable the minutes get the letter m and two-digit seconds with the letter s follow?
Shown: 11h58m16s
